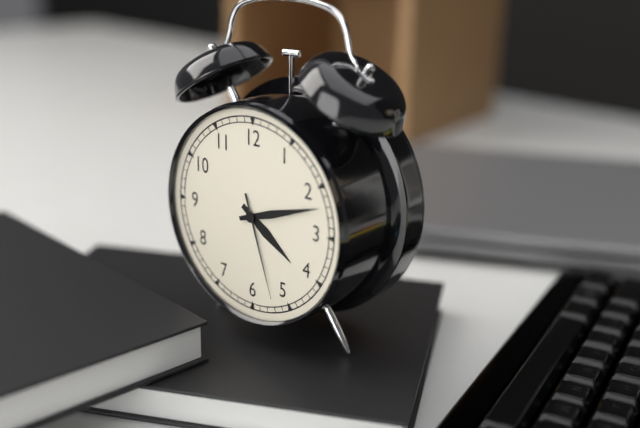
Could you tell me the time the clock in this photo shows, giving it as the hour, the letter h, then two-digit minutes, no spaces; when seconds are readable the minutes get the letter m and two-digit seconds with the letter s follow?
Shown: 4h12m27s
